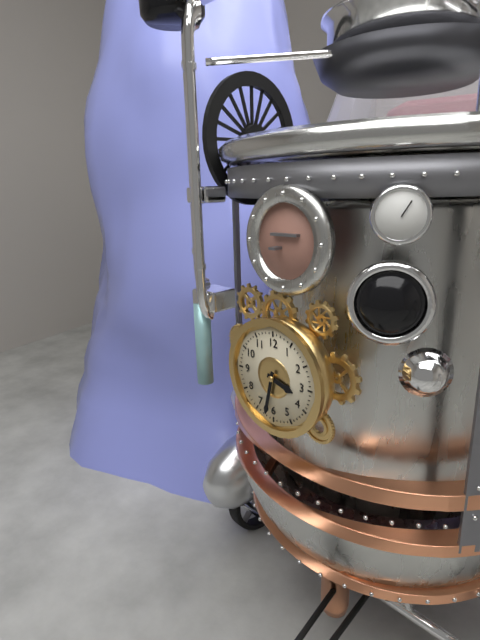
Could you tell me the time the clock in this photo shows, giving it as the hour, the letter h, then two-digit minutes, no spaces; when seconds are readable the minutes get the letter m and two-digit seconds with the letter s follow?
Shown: 3h32
